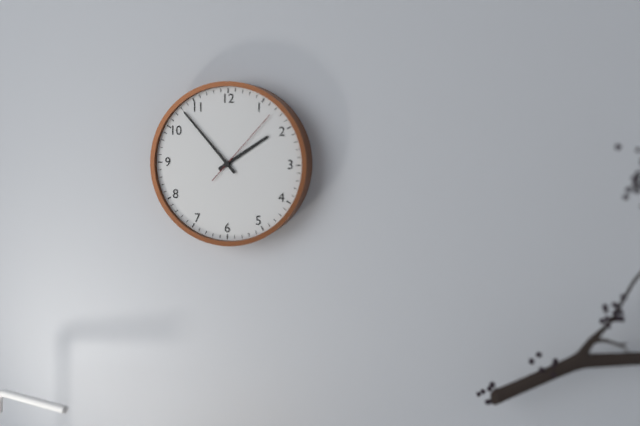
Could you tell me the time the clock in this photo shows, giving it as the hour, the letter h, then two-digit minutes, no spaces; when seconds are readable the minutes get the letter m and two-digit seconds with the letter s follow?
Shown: 1h53m07s
